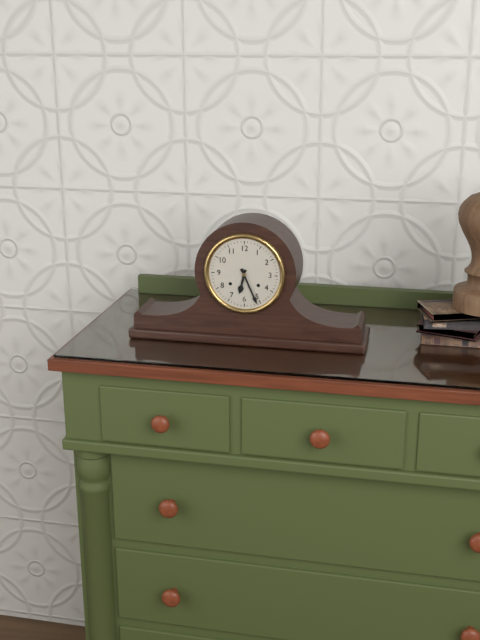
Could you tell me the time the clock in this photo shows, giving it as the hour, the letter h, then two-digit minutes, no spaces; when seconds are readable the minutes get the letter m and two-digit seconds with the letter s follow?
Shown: 6h26
